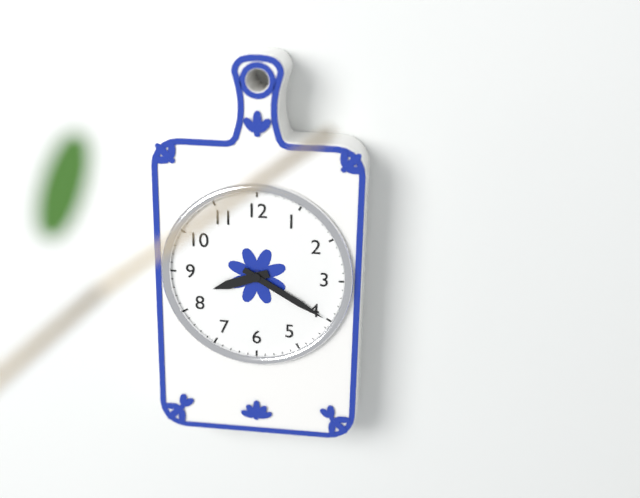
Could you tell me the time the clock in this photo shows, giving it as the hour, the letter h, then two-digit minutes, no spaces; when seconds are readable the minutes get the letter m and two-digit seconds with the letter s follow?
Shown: 8h20
